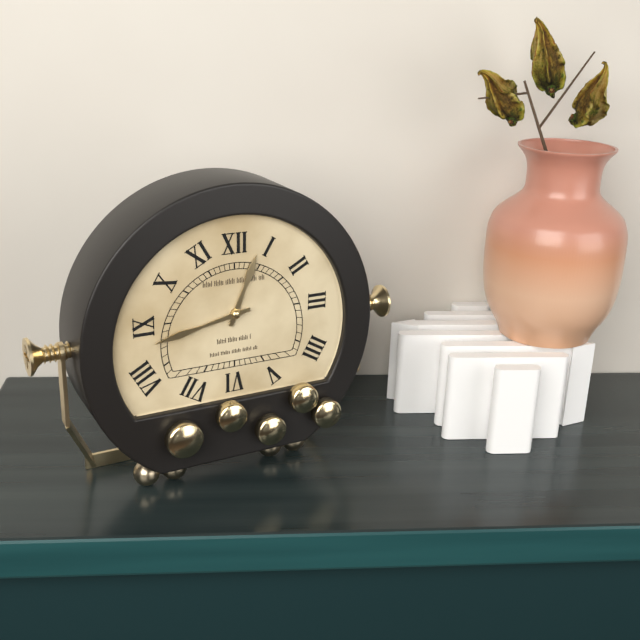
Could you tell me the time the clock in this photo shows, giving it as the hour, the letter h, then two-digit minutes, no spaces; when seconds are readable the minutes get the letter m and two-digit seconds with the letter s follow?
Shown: 12h43
